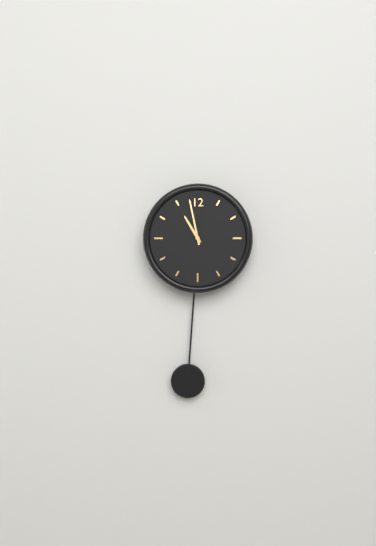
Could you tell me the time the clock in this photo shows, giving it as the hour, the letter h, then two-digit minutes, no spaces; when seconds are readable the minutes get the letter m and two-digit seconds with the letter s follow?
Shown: 10h58
